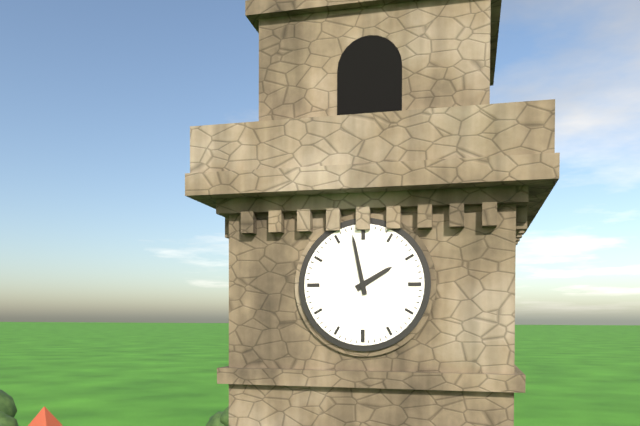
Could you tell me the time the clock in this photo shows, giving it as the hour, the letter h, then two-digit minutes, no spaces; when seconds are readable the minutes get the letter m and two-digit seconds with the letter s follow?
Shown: 1h58
